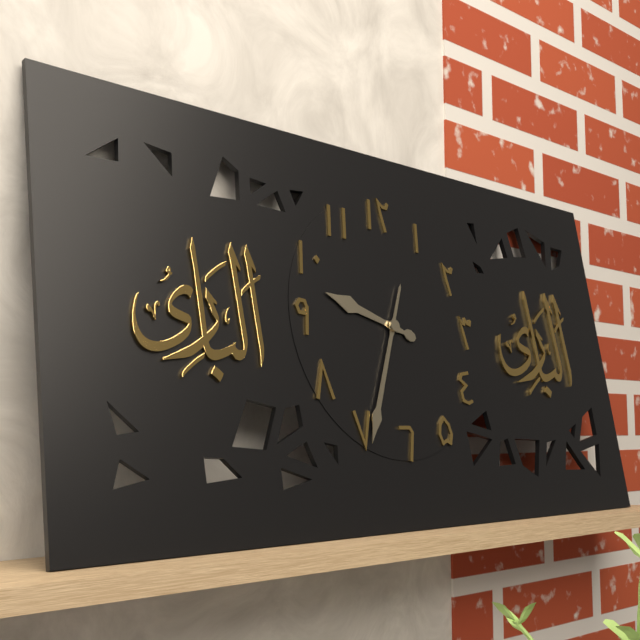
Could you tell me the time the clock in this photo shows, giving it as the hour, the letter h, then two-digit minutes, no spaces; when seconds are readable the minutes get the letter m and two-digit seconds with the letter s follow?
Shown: 9h34
